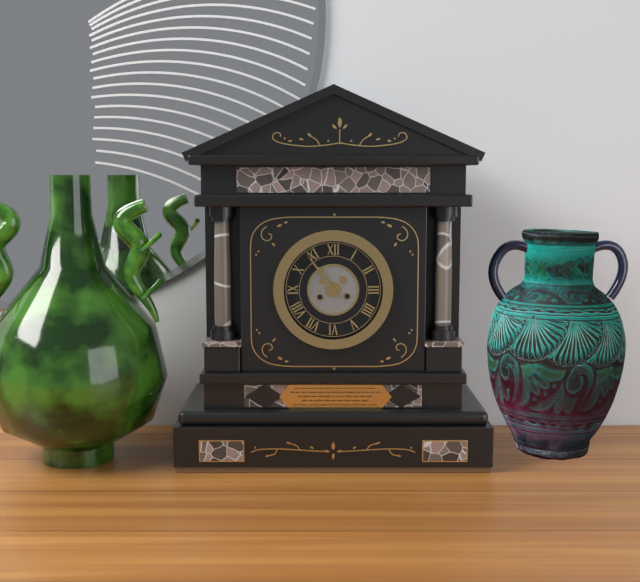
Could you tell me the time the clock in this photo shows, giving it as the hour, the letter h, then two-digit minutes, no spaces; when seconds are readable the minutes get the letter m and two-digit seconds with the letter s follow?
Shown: 10h54
